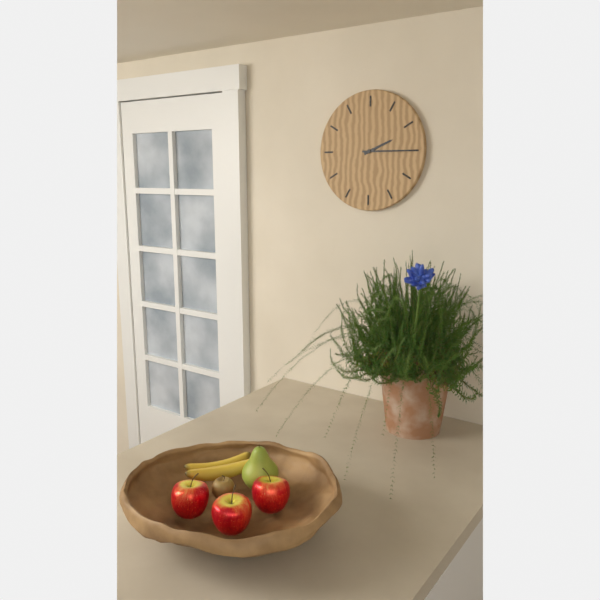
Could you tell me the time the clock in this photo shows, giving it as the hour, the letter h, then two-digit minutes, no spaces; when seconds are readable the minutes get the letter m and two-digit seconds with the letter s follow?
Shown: 2h15
